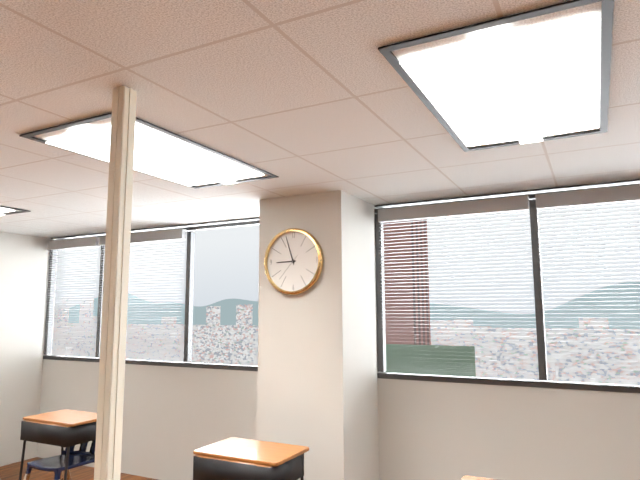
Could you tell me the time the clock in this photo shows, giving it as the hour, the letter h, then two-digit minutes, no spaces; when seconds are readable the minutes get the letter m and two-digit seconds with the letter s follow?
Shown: 8h57
